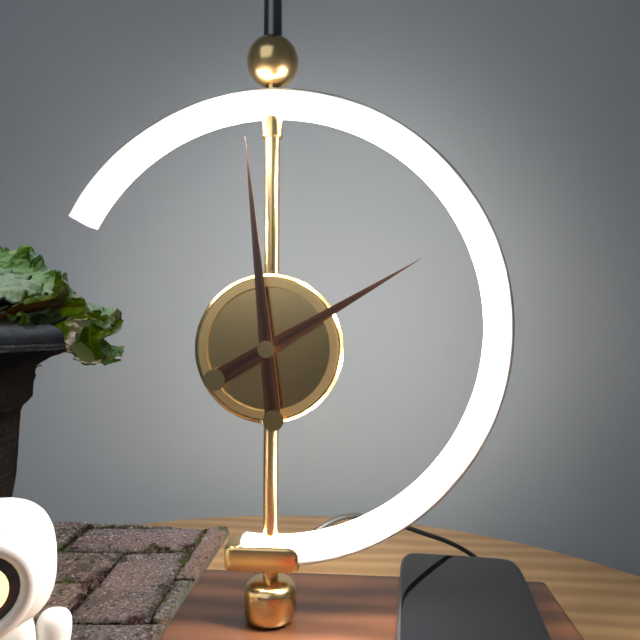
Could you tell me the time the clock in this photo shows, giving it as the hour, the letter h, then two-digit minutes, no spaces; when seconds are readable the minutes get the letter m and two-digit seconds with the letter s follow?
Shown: 1h59
